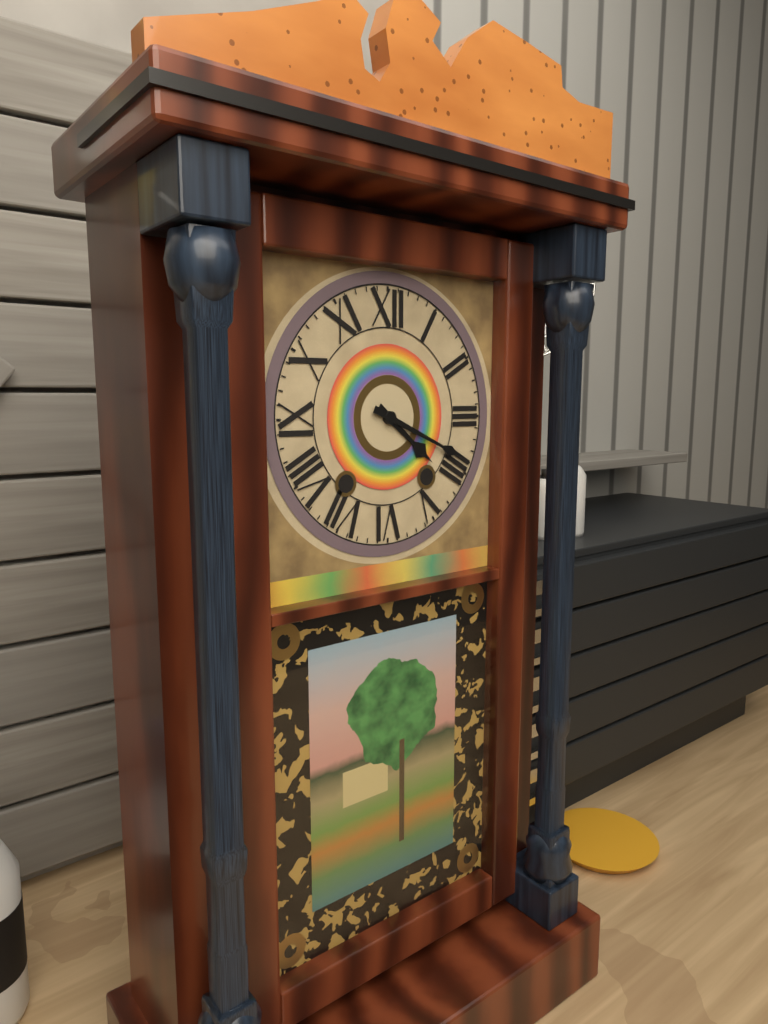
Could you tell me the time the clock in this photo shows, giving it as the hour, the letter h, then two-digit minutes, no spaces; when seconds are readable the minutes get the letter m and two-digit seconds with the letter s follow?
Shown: 4h19
